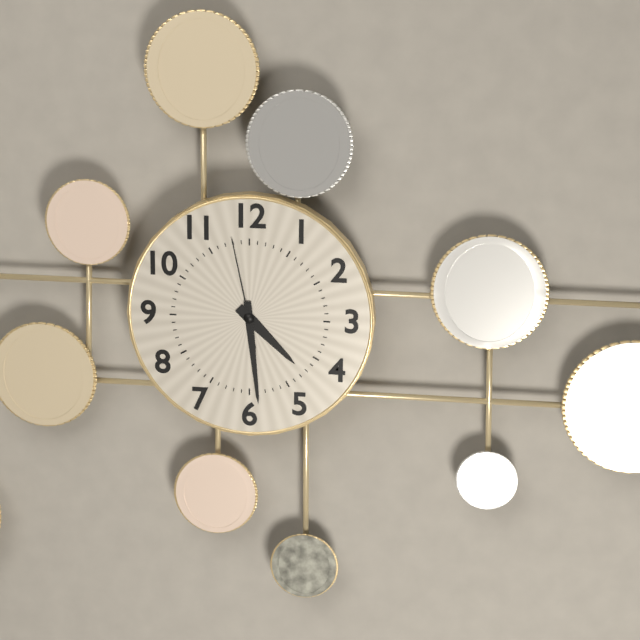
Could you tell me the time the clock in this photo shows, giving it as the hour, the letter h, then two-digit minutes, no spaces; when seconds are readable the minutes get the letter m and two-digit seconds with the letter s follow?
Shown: 4h29m58s
